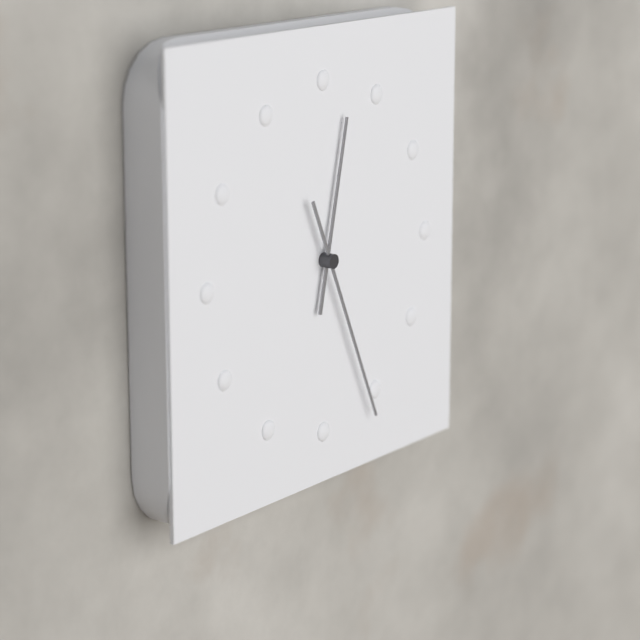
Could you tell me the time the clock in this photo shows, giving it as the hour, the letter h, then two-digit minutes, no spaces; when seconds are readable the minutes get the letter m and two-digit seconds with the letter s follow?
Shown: 12h26
